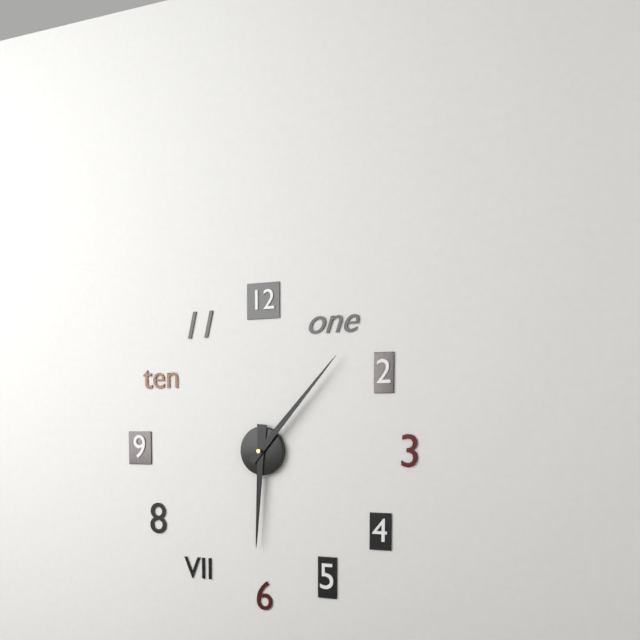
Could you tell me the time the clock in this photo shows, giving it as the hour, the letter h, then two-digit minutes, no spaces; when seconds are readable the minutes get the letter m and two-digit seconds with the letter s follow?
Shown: 6h07
